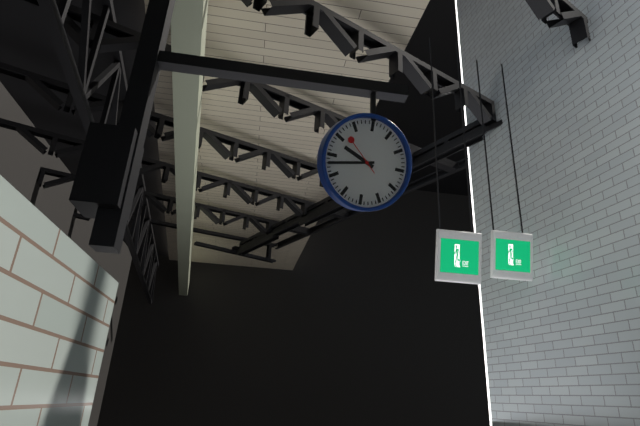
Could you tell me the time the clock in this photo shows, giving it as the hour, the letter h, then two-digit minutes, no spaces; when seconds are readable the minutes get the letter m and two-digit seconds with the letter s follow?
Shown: 9h43
